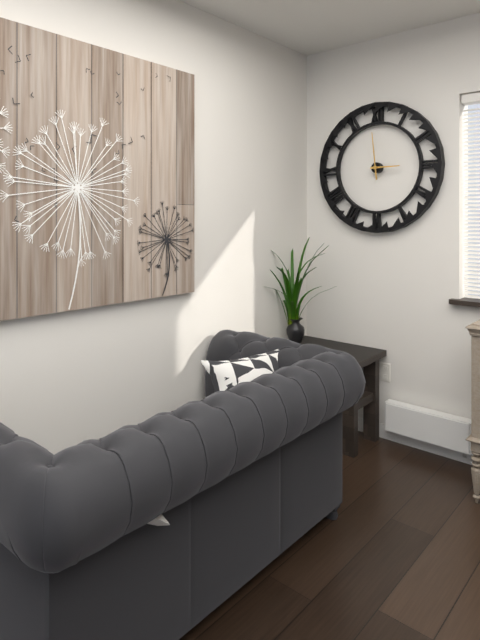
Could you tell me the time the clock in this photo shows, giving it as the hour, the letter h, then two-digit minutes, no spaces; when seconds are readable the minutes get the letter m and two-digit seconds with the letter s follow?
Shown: 2h59
